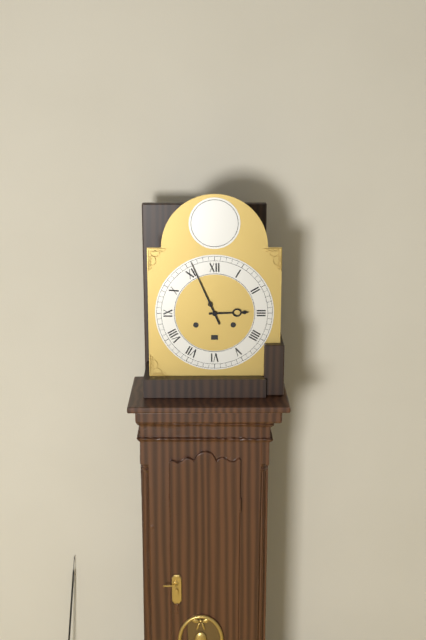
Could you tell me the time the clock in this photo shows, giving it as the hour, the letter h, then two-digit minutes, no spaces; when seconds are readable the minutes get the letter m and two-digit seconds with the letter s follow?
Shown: 2h56
